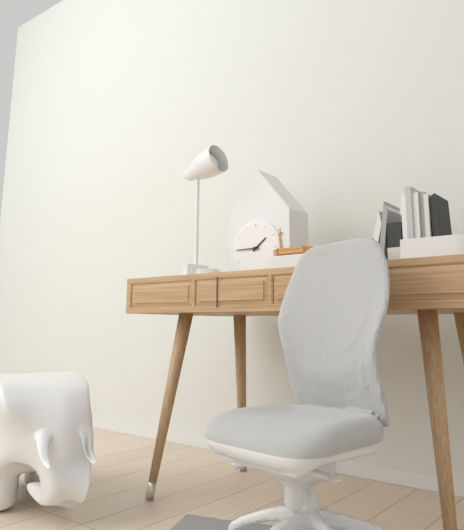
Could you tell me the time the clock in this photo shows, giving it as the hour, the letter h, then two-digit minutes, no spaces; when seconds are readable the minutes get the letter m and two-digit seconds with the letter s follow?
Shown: 1h45
